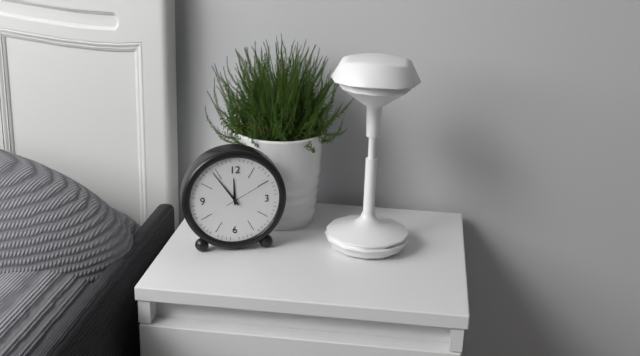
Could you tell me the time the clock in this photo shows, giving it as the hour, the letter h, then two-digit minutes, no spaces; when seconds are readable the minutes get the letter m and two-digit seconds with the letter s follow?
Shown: 11h54
